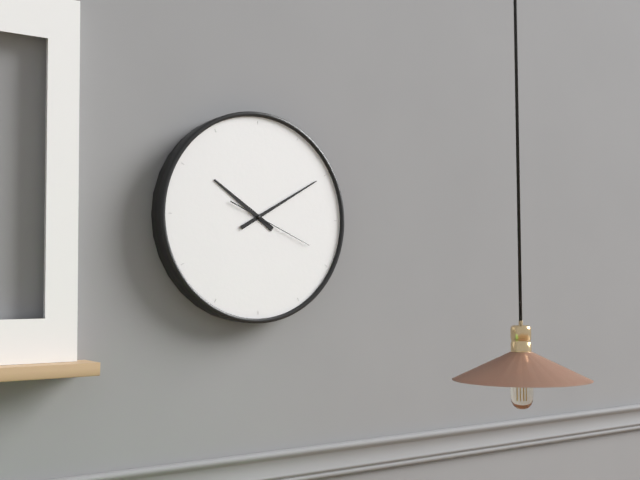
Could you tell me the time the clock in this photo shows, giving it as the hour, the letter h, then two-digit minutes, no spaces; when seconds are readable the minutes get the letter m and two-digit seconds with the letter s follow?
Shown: 10h10m19s
